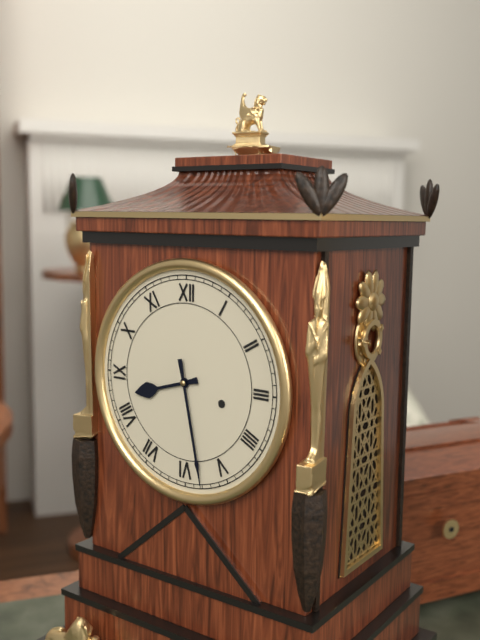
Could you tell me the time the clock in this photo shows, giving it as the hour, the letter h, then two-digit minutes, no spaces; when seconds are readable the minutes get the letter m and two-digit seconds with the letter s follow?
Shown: 8h28
